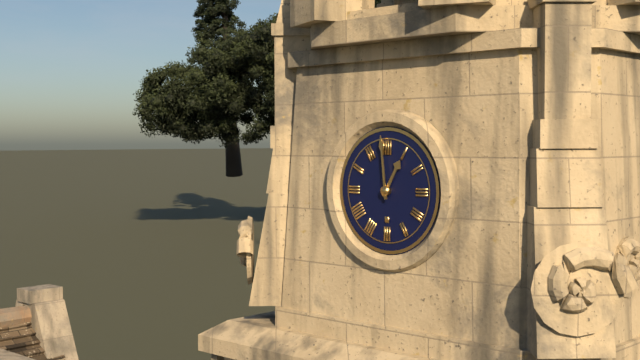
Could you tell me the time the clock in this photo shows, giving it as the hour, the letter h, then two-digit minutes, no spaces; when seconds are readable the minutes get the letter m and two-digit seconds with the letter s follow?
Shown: 12h59
